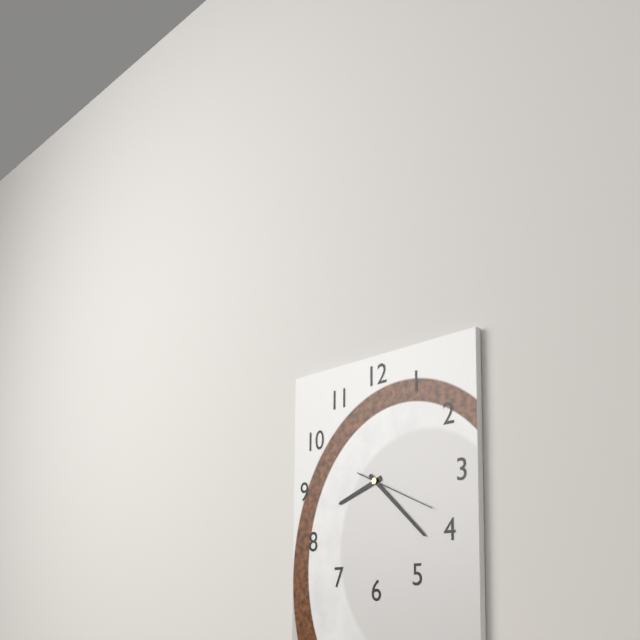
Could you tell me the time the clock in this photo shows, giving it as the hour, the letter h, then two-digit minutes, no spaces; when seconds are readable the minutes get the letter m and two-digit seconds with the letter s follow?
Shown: 8h22m19s
